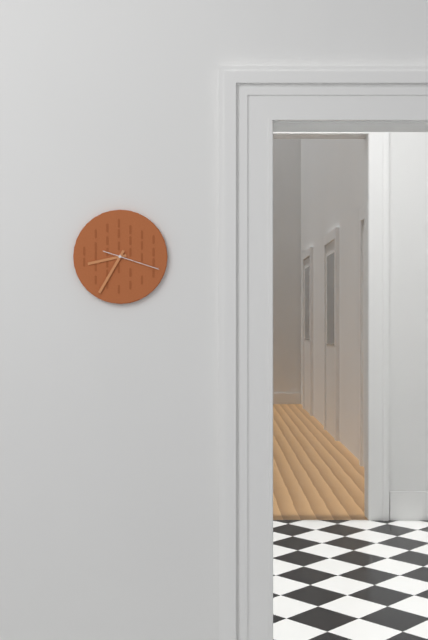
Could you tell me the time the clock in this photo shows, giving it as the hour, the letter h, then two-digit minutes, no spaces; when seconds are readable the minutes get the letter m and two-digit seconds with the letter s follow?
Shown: 8h35m18s
